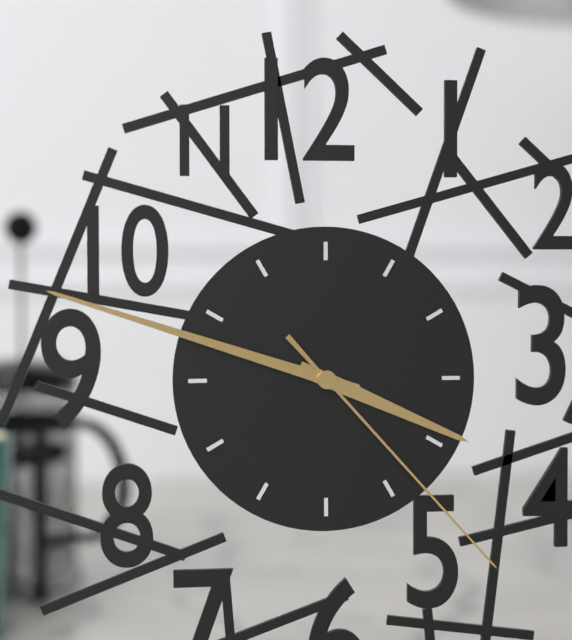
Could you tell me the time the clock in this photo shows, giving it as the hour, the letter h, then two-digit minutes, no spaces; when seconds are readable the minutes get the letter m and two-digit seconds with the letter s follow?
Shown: 3h48m23s
